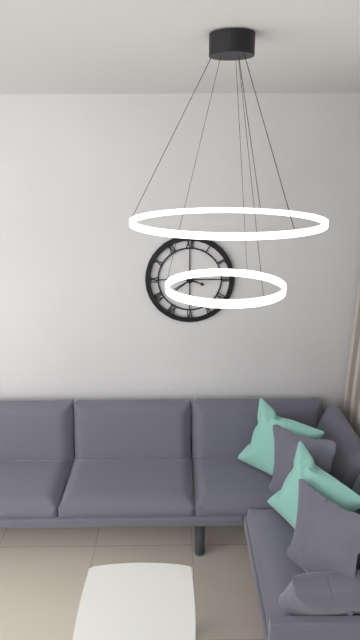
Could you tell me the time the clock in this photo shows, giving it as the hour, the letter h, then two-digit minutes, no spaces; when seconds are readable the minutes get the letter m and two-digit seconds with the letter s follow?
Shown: 3h39
